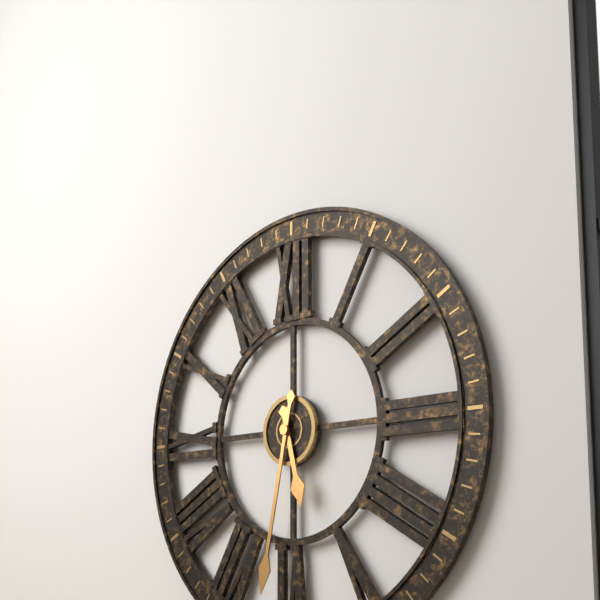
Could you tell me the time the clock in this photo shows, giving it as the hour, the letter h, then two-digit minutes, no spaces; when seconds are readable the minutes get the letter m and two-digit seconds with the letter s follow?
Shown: 5h32
